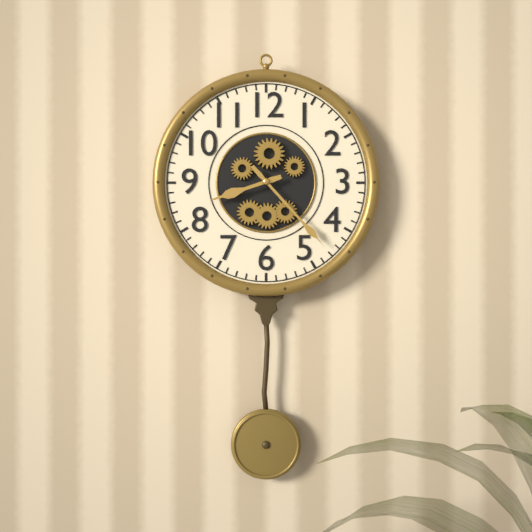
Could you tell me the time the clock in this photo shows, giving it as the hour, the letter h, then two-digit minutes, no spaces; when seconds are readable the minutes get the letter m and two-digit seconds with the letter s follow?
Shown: 8h23
